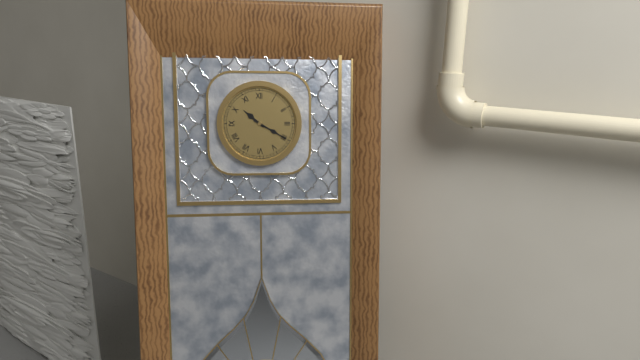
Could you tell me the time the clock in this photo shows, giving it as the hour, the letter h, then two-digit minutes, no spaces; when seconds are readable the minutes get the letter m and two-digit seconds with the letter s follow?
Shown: 10h20
